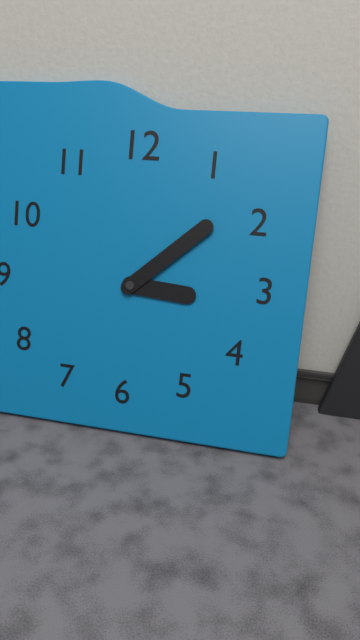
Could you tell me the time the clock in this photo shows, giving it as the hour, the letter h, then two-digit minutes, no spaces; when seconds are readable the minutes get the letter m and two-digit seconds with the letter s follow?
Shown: 3h08
